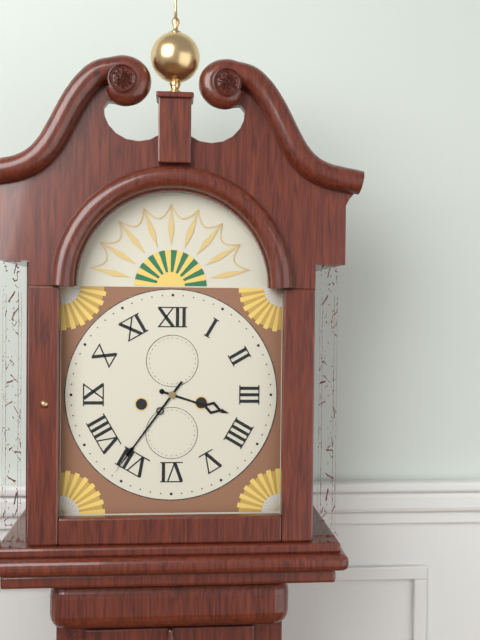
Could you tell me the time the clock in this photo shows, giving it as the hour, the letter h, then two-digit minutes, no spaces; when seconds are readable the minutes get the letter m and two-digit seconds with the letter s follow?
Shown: 3h36
